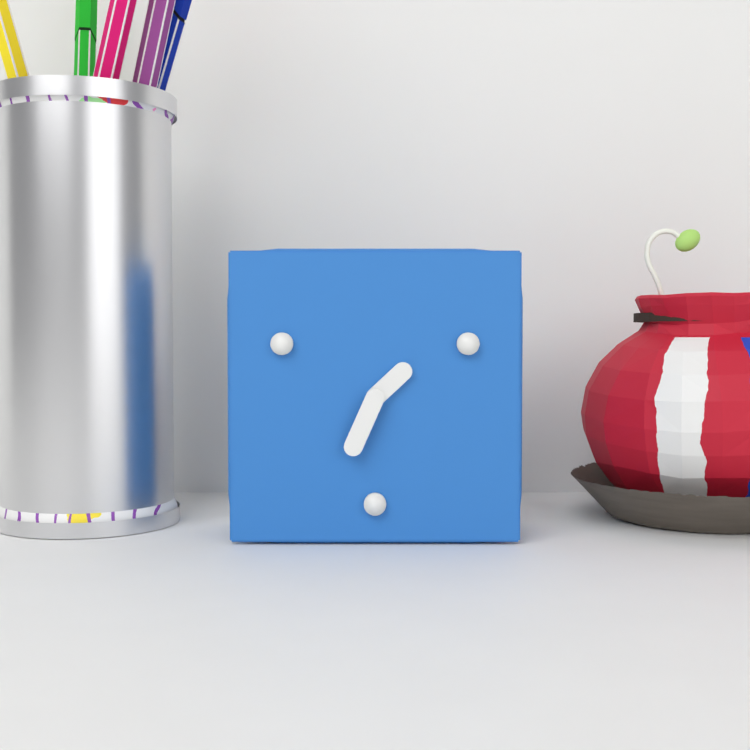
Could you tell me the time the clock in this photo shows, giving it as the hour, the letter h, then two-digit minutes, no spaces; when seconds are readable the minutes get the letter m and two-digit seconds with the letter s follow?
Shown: 1h34
